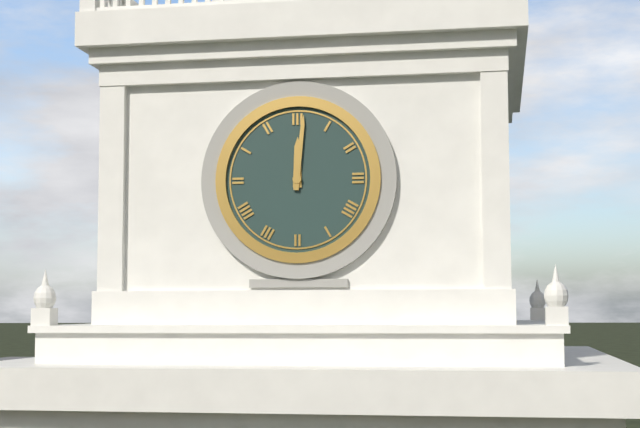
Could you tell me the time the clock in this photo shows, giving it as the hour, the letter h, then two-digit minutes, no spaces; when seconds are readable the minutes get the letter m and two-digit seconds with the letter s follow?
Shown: 12h01
